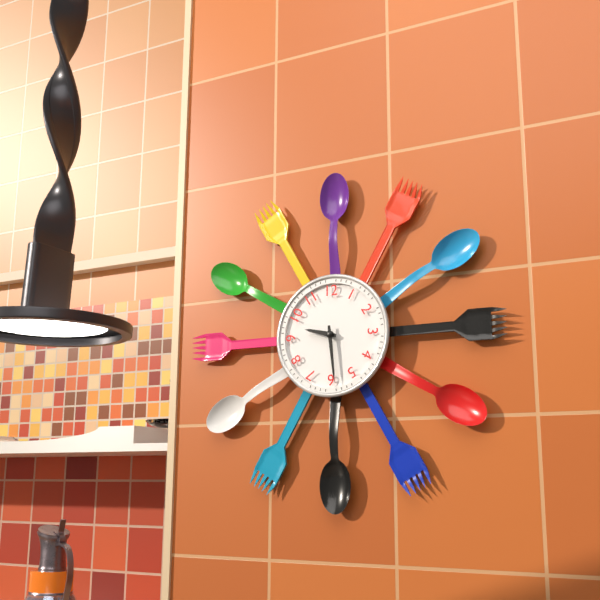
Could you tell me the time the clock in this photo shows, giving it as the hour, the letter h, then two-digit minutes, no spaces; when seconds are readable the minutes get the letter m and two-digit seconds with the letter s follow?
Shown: 9h29
